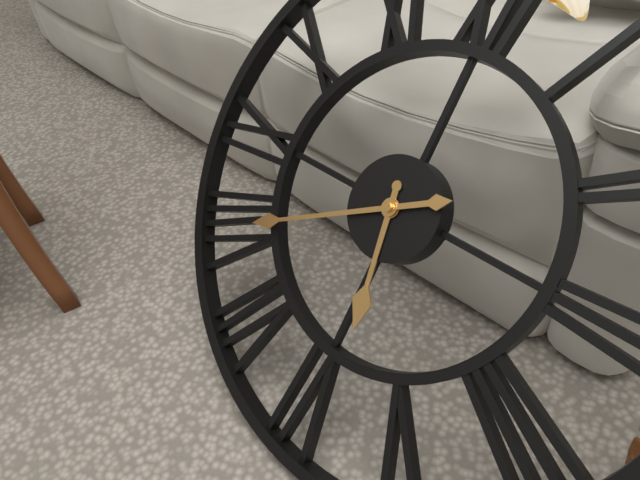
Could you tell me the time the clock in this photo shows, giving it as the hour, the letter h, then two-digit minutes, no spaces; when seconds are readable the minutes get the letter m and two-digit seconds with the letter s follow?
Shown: 5h40
